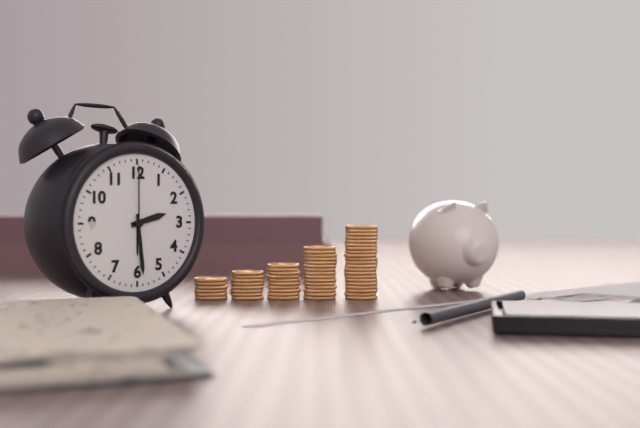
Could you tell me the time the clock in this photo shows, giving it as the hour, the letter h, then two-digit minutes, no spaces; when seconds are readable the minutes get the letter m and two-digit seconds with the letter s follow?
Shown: 2h29m00s
